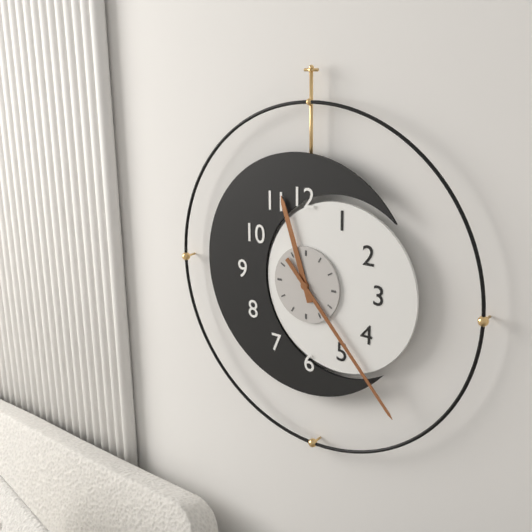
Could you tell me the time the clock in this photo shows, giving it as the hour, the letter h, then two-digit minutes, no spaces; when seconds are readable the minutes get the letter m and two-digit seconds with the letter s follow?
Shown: 11h23
